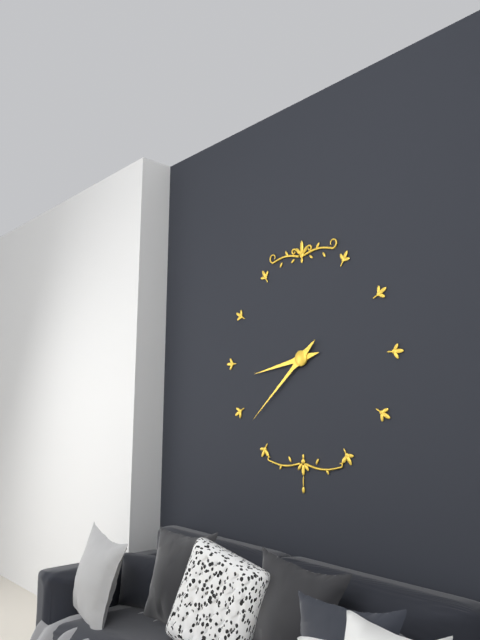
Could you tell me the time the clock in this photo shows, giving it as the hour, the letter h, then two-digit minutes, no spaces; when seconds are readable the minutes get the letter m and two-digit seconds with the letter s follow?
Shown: 8h38
